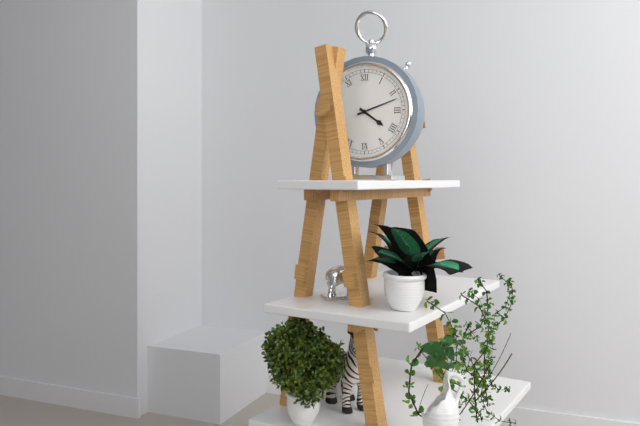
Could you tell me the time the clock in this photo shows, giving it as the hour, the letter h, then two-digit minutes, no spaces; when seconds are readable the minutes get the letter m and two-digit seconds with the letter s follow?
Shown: 4h12
